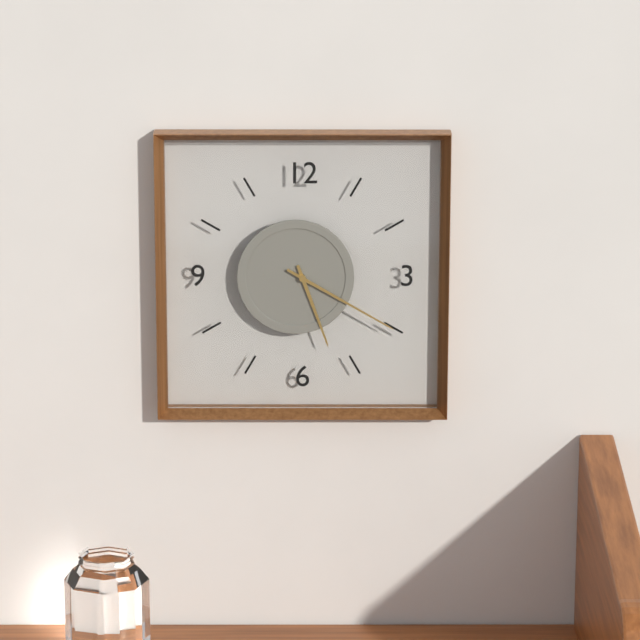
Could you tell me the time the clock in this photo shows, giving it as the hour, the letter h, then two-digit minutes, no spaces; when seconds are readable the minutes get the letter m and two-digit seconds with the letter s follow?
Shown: 5h20
